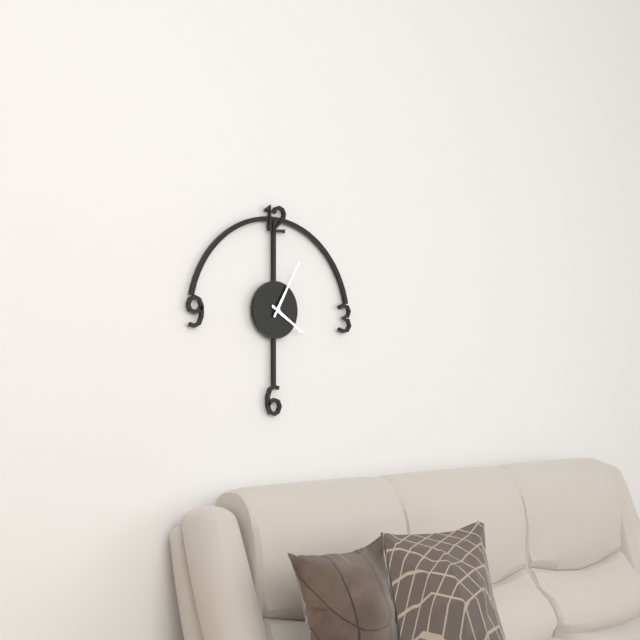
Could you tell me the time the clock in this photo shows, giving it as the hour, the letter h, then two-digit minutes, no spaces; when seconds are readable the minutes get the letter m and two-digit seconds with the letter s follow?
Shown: 4h05
